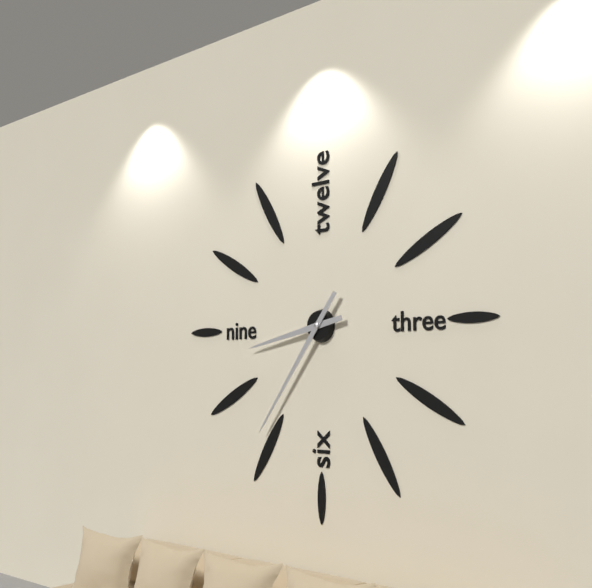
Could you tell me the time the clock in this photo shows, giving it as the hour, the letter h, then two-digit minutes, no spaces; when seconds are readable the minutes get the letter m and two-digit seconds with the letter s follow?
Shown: 8h36
